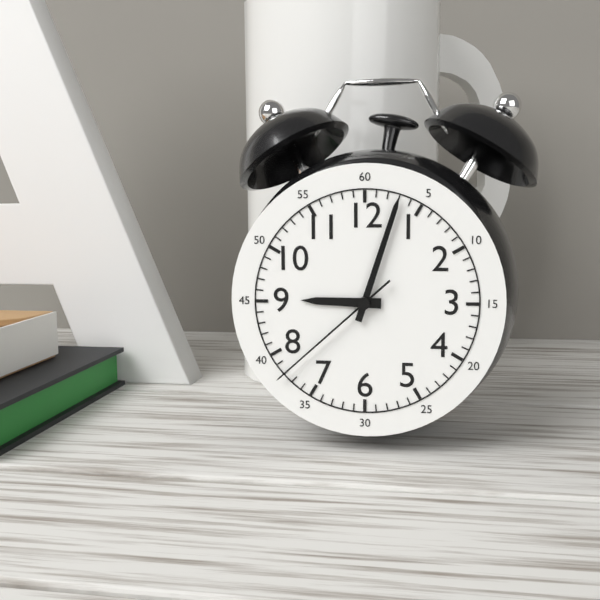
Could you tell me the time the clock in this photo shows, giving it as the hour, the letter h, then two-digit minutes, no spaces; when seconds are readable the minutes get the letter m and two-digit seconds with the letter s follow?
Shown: 9h03m38s
